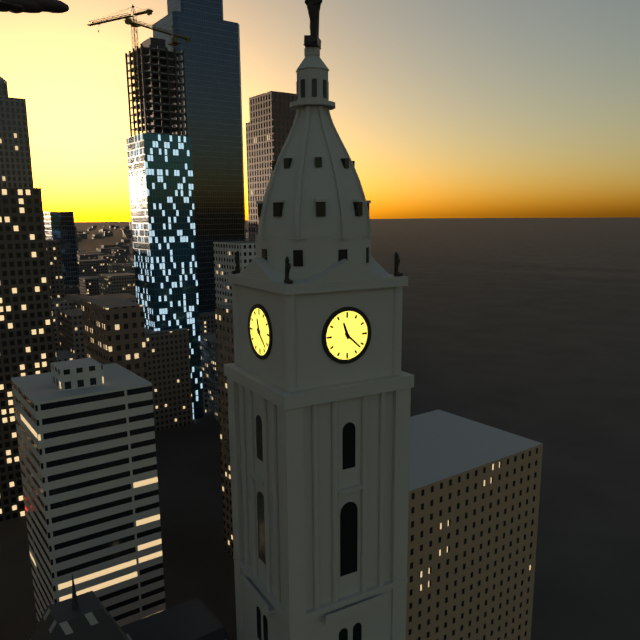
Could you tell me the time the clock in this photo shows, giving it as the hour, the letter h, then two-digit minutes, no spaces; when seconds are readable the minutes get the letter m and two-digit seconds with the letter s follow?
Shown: 11h22
